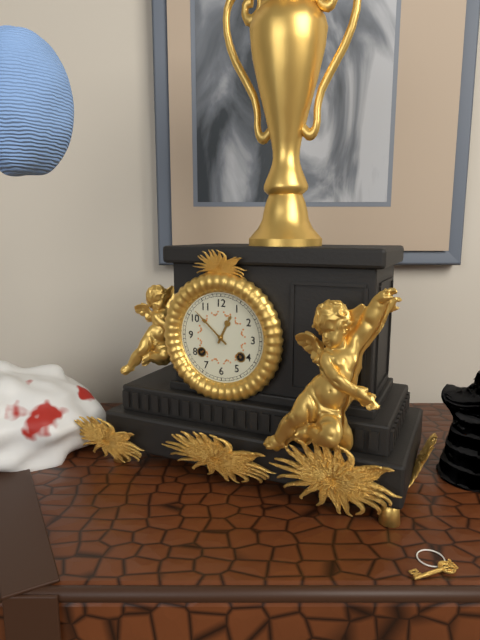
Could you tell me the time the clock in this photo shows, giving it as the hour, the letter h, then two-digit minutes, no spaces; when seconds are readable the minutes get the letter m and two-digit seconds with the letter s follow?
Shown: 12h52
